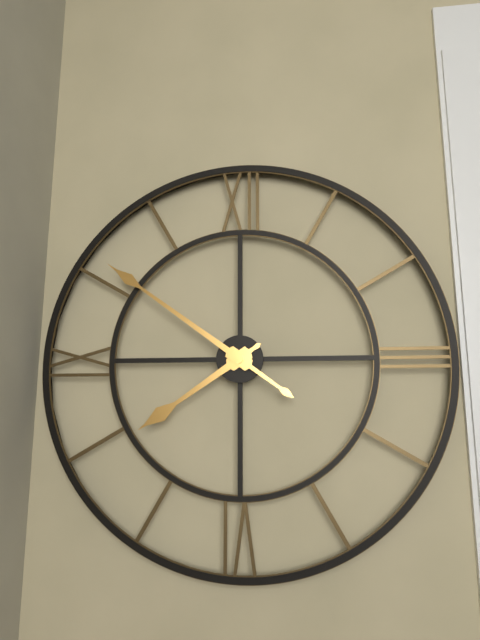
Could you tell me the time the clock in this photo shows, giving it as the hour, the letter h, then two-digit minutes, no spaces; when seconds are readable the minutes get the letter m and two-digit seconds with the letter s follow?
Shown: 7h51
